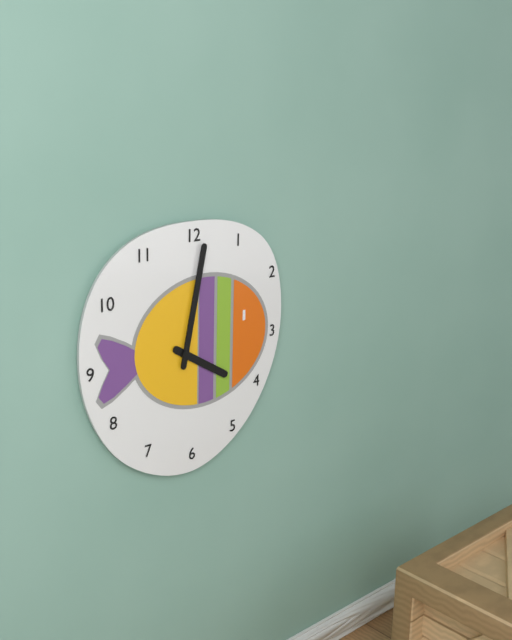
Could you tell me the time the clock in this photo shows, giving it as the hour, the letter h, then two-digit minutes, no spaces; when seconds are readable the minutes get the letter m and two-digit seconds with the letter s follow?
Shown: 4h02
